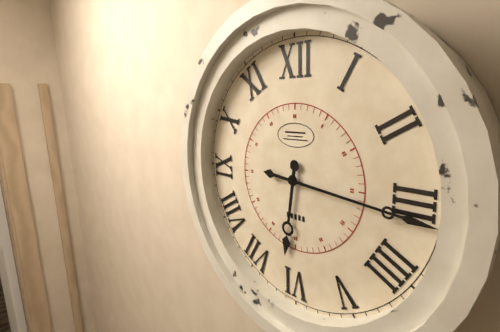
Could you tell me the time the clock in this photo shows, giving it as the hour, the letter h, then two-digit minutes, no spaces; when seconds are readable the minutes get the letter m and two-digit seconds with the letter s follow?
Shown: 6h16
